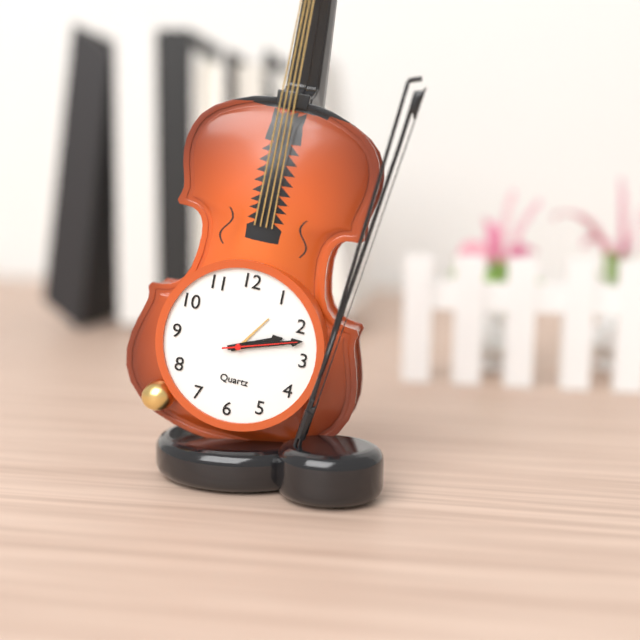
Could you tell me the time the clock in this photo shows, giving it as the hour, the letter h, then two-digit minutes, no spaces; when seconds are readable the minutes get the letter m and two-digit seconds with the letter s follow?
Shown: 2h12m12s
